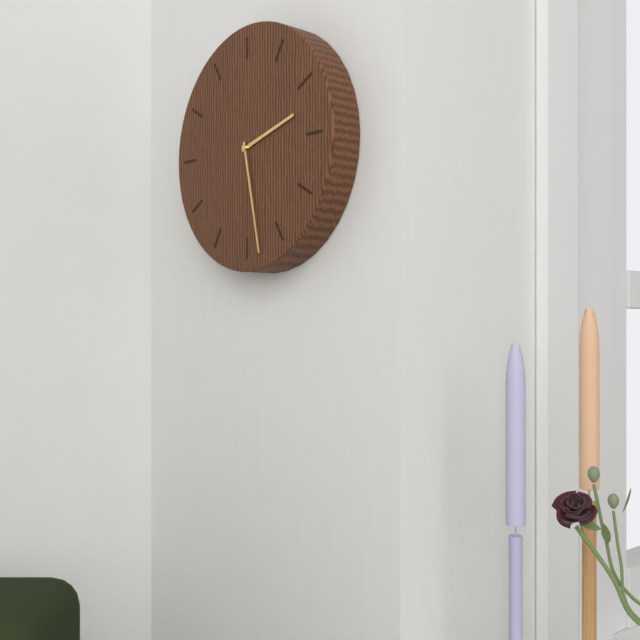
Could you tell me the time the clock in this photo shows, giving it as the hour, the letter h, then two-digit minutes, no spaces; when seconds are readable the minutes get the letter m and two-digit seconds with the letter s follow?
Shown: 2h28
